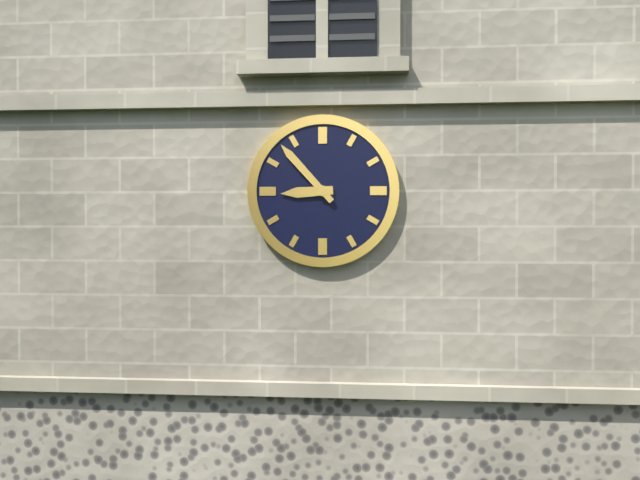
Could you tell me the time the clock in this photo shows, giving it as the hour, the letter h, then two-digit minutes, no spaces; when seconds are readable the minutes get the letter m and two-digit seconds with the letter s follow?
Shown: 8h53
